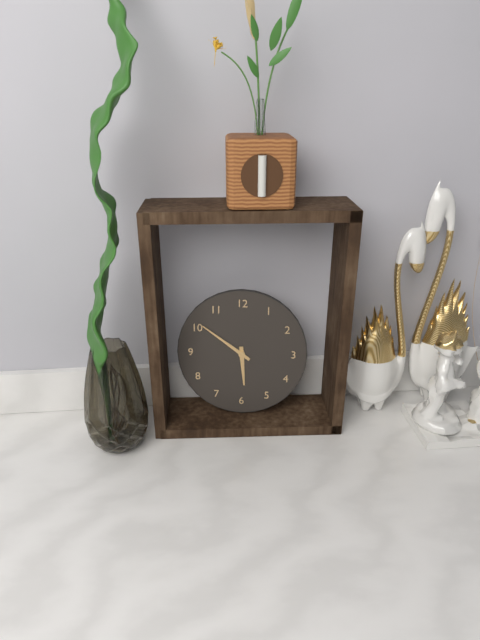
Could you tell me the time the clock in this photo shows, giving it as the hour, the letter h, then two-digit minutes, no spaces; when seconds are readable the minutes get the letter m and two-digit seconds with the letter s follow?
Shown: 5h51
